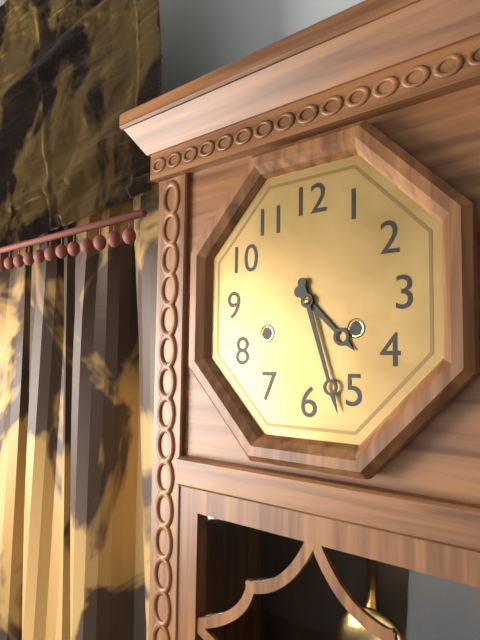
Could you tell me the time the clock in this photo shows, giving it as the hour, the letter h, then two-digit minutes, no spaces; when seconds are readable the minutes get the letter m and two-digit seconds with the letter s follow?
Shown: 4h27
